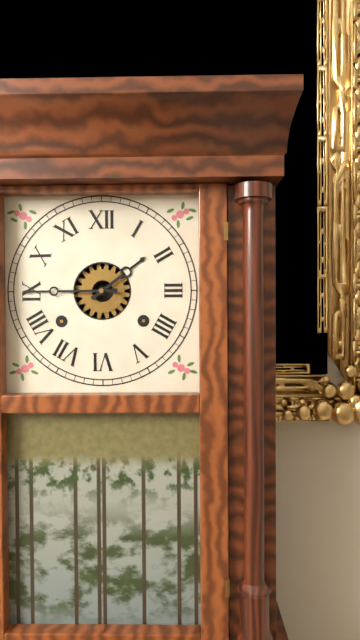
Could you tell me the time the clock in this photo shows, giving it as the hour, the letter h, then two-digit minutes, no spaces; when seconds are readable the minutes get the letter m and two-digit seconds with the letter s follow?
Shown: 1h45
